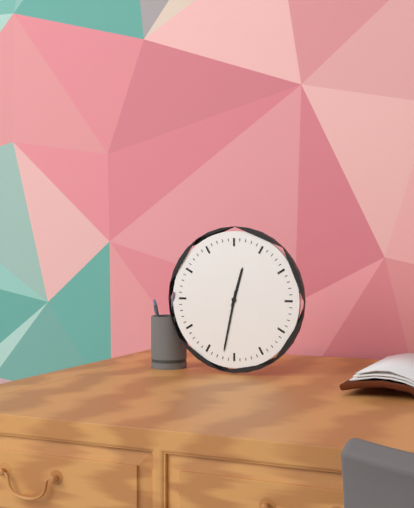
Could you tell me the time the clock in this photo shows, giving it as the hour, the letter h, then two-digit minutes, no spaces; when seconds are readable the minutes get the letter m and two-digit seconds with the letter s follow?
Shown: 12h32
